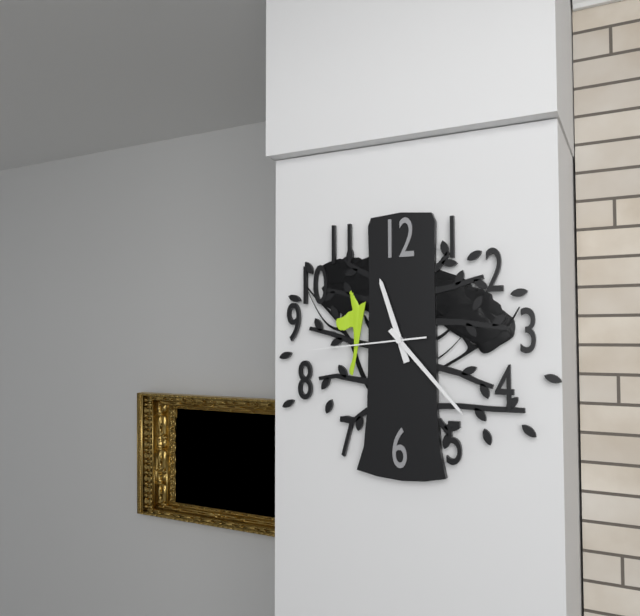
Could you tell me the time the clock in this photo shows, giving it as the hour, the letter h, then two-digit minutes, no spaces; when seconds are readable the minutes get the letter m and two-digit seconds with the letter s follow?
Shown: 11h23m44s
